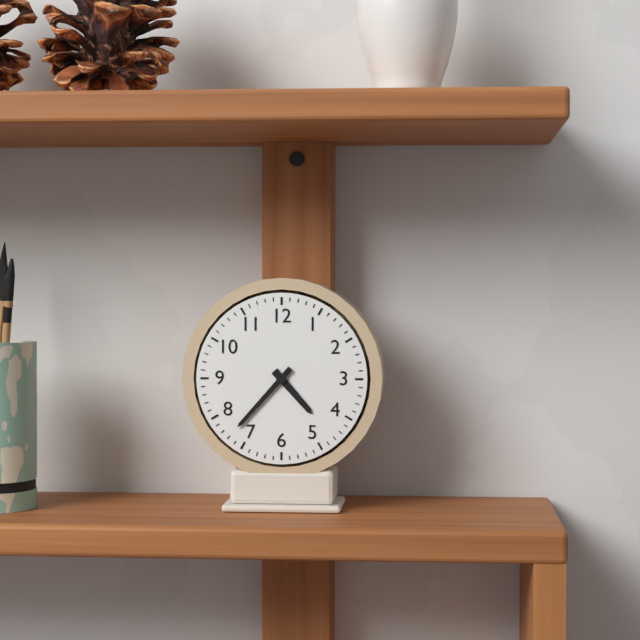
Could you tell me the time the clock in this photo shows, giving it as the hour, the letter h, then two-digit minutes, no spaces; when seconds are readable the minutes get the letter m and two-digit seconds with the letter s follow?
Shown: 4h37
